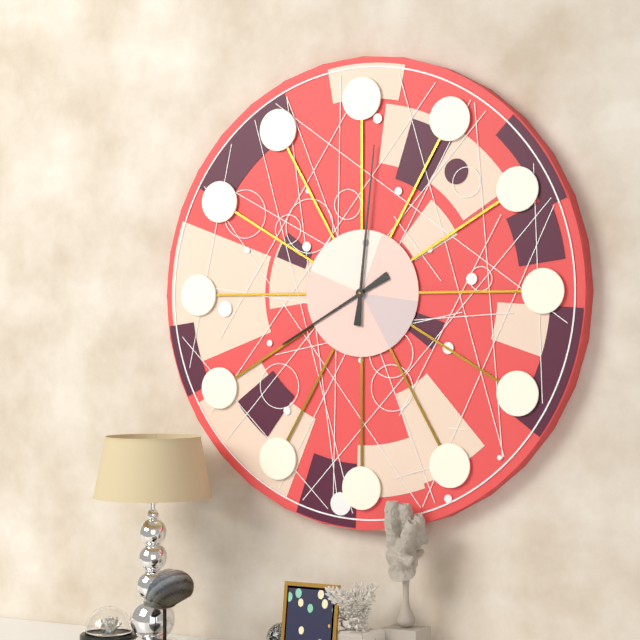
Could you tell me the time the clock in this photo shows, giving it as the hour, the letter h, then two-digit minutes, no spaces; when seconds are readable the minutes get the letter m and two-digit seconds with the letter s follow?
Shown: 8h01
